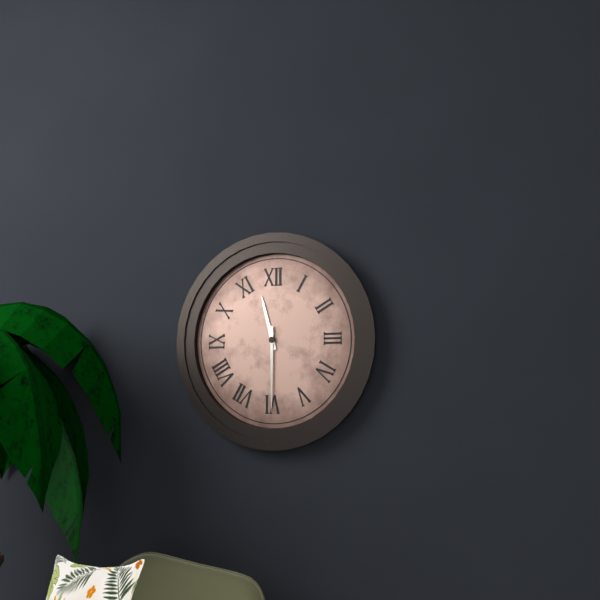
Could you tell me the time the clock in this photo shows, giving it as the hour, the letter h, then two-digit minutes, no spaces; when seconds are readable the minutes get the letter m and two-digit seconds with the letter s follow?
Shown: 11h30
